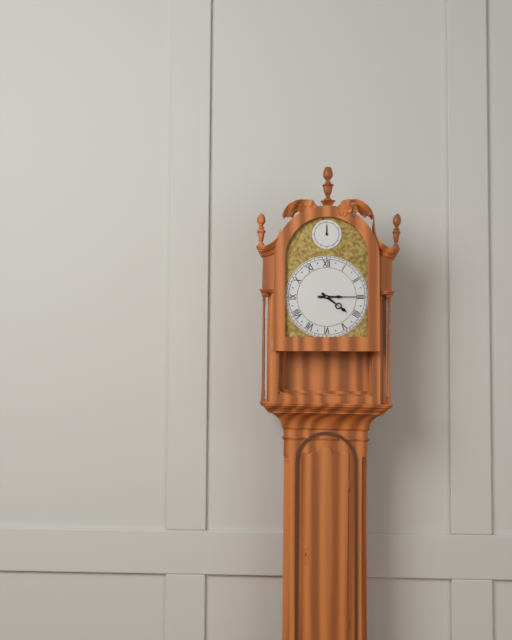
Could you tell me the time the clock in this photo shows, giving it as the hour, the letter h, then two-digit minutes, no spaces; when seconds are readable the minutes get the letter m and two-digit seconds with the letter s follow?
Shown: 4h15
